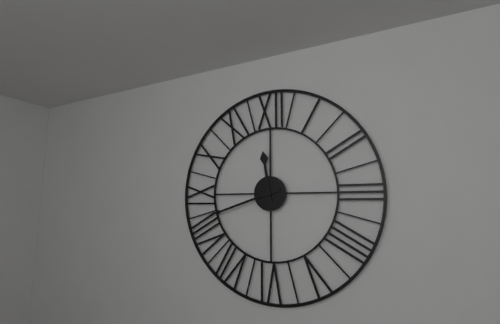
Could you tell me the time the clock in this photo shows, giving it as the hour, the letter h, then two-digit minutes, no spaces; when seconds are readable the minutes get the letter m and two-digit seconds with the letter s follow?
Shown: 11h42
